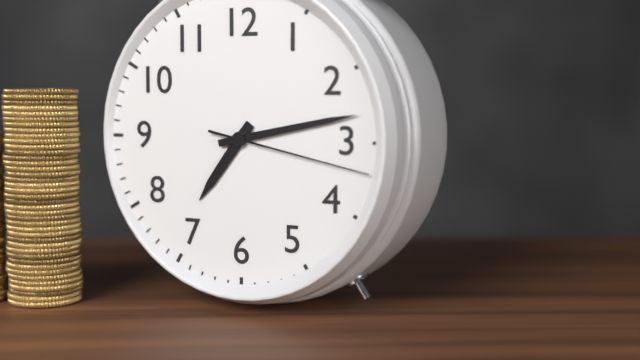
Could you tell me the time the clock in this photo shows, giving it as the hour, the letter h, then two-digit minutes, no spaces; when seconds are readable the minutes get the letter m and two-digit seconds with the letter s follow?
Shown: 7h13m17s
